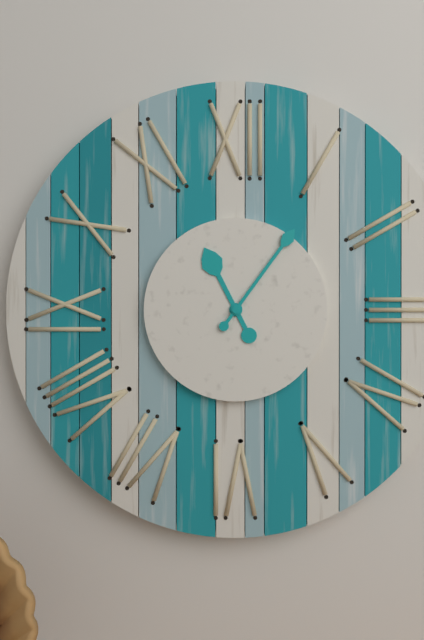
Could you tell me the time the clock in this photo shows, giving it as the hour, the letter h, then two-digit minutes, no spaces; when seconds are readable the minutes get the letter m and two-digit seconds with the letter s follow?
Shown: 11h06
